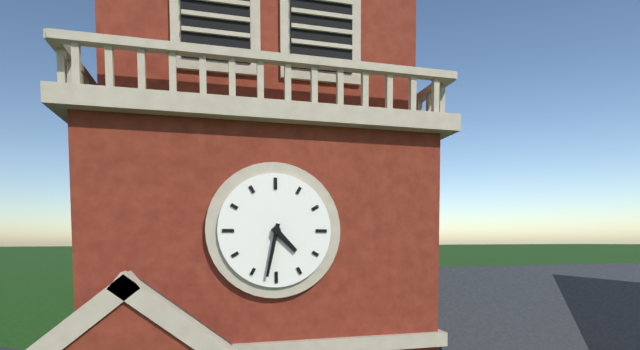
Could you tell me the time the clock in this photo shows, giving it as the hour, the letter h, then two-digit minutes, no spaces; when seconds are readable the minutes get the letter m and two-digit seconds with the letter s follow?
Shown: 4h32
